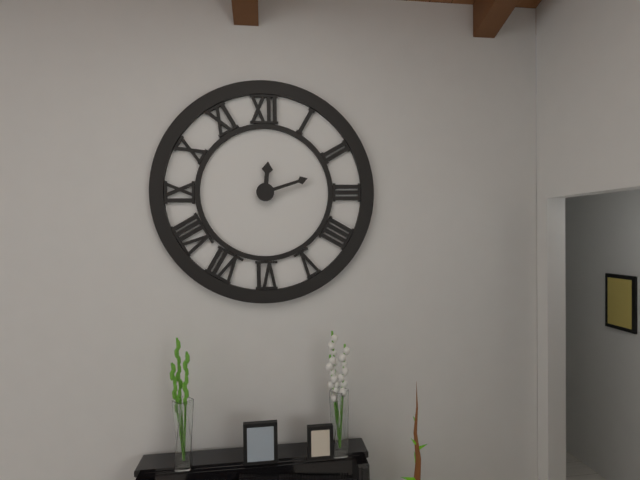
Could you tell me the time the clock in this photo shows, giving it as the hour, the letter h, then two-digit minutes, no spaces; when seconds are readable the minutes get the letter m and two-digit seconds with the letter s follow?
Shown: 12h12
